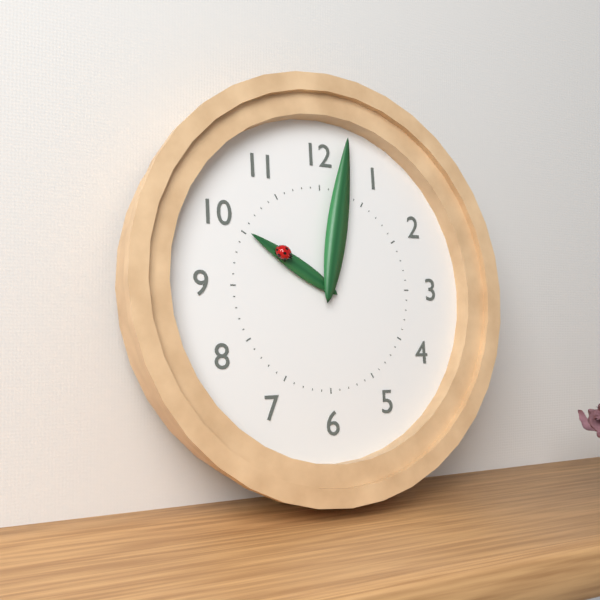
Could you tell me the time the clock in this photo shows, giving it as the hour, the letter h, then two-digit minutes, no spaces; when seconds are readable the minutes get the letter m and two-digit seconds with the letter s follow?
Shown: 10h02
